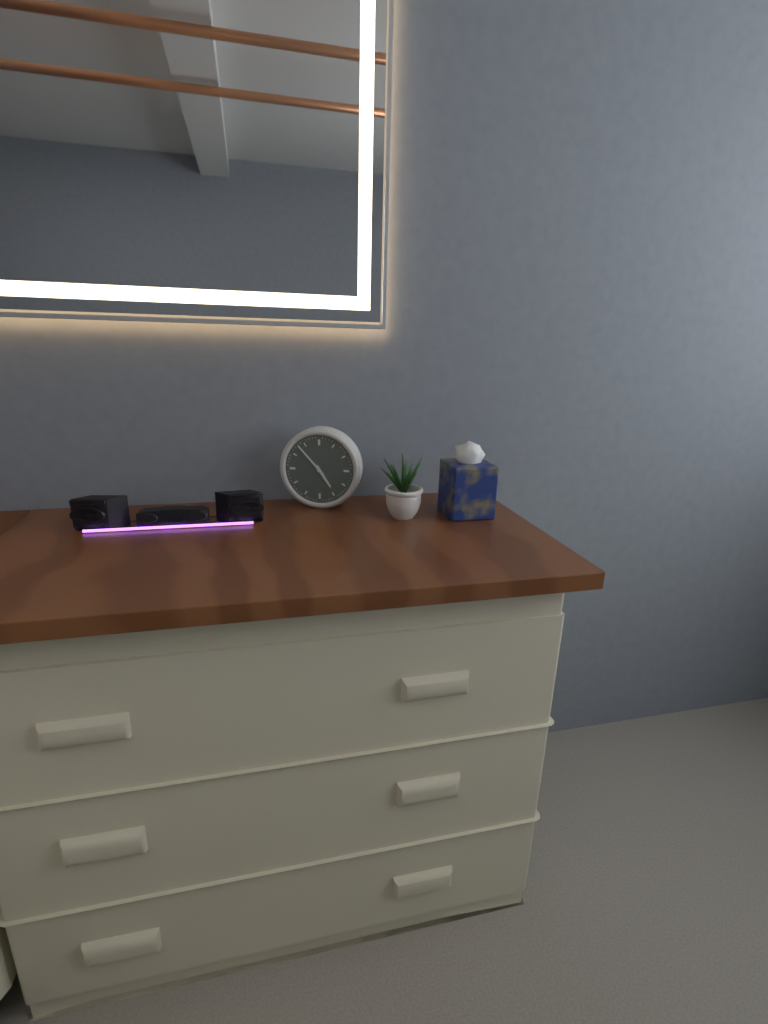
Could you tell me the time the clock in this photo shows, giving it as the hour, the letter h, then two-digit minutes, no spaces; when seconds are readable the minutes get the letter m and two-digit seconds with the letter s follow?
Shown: 4h53
